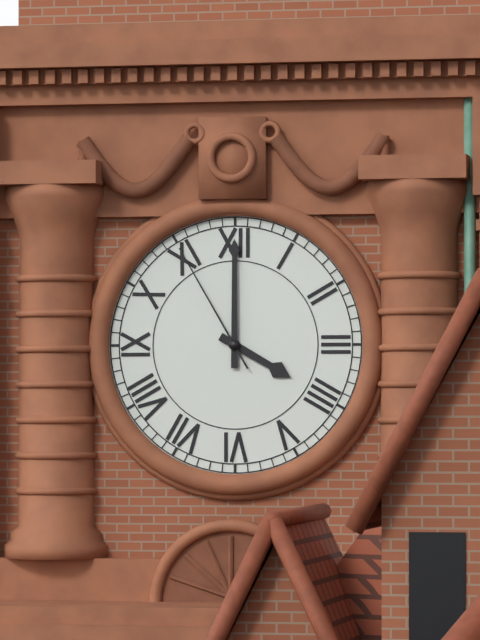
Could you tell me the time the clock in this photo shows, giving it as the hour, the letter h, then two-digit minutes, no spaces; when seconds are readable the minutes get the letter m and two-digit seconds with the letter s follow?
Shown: 4h00m55s
